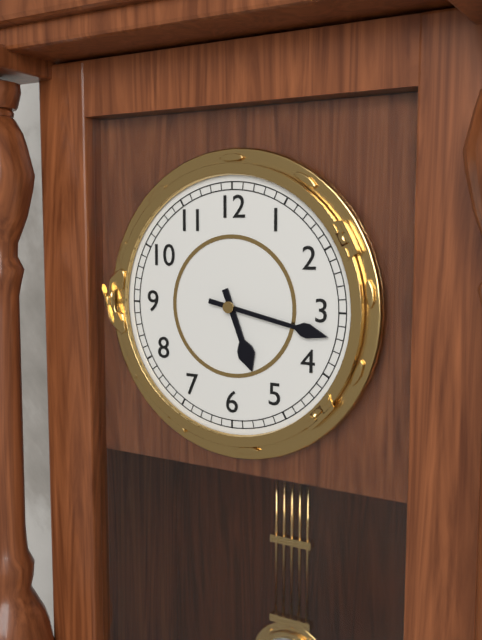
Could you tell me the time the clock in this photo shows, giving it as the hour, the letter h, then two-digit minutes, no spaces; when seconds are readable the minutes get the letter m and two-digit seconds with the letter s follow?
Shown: 5h17
